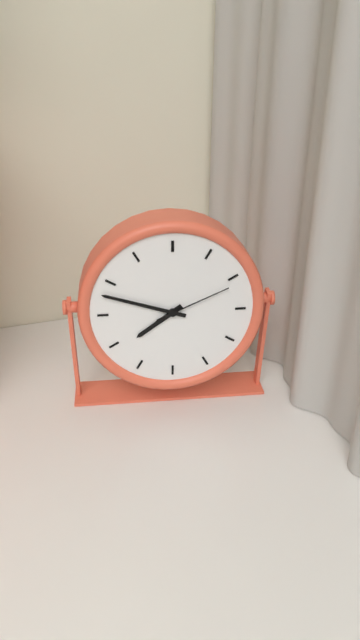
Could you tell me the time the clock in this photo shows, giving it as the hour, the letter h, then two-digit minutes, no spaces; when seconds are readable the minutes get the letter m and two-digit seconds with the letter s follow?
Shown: 7h48m11s
